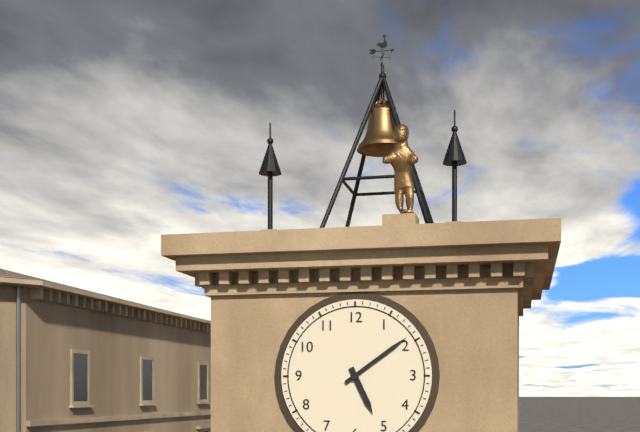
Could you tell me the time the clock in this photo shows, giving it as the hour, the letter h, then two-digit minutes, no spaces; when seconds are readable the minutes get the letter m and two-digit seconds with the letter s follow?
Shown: 5h09
